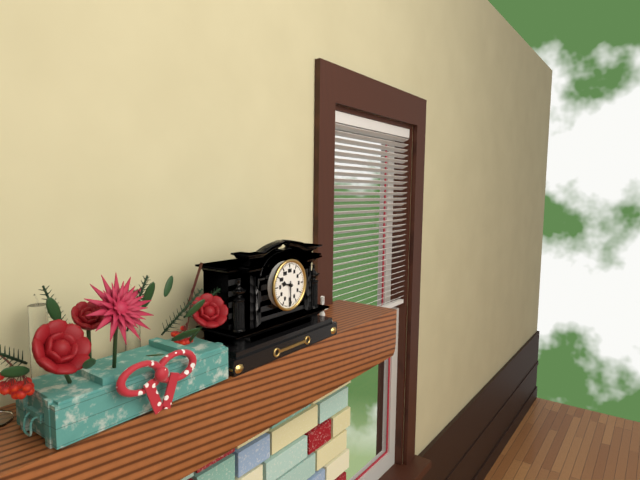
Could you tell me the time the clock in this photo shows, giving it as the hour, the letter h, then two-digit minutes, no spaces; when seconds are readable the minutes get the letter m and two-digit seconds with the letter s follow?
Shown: 9h30
